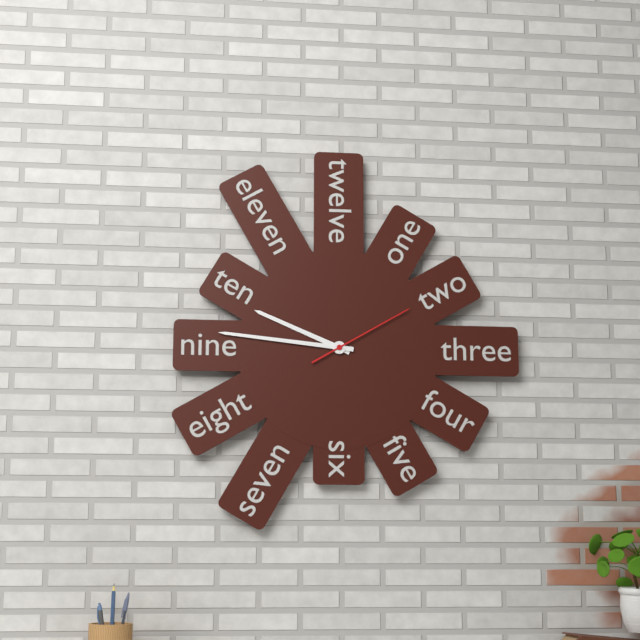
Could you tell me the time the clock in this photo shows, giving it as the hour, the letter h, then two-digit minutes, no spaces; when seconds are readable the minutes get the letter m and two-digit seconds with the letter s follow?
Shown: 9h46m10s
